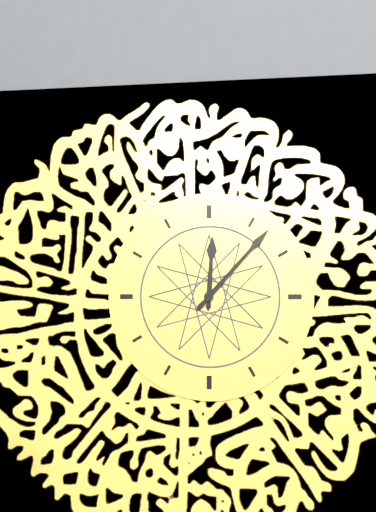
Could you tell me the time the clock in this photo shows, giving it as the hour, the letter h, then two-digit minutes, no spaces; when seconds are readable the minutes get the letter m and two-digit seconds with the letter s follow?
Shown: 12h07
